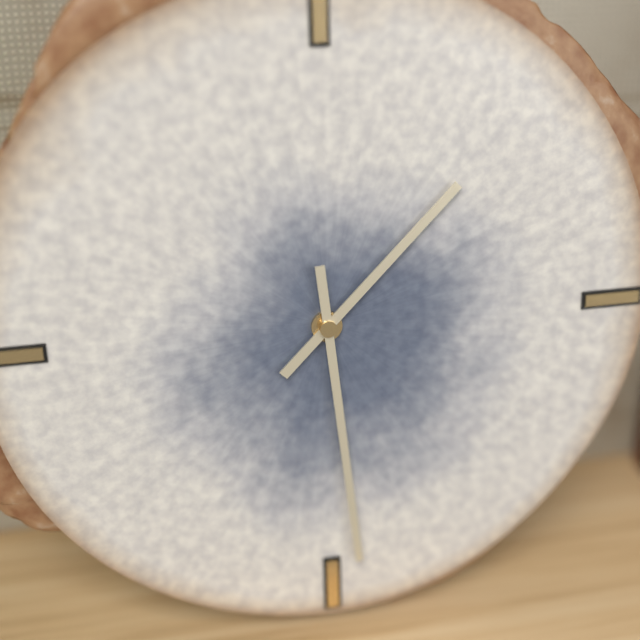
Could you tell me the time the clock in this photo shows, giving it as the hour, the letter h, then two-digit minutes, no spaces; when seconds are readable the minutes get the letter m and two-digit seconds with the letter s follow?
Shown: 1h29
